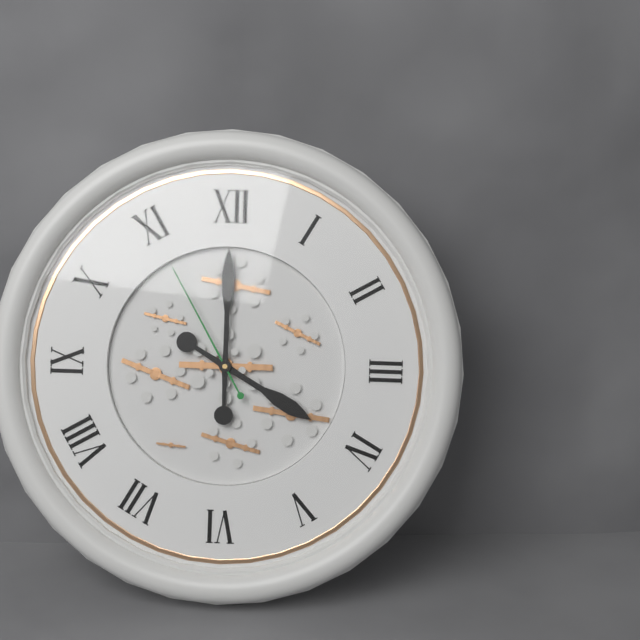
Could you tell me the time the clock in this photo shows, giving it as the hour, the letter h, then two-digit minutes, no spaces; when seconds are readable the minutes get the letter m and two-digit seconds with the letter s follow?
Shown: 4h00m55s
